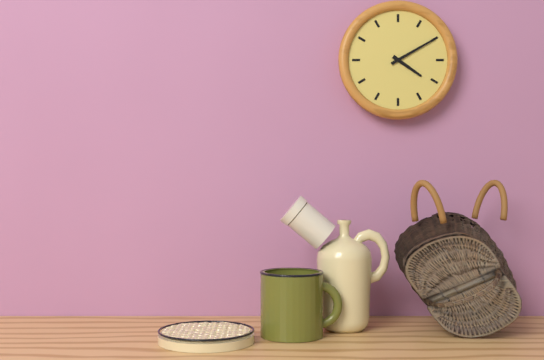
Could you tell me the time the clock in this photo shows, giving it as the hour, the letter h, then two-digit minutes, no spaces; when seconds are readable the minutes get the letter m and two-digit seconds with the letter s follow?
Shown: 4h10
